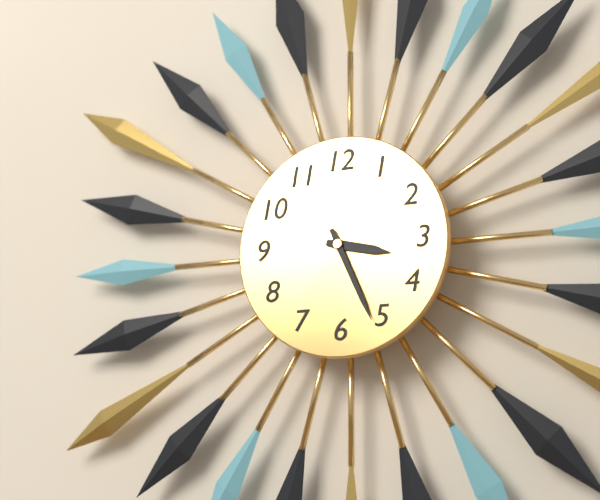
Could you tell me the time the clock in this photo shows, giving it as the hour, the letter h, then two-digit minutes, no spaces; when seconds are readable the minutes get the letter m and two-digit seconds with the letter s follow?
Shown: 3h26
